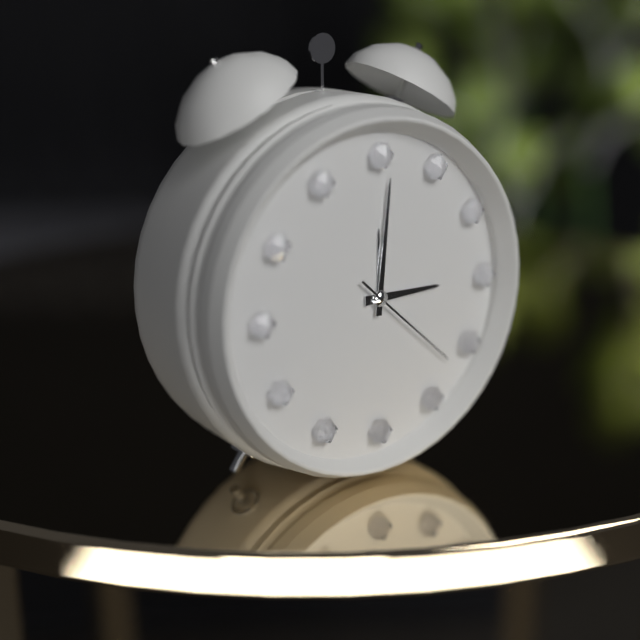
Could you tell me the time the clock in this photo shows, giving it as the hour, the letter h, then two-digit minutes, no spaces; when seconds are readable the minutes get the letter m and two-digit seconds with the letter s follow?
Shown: 3h01m22s
